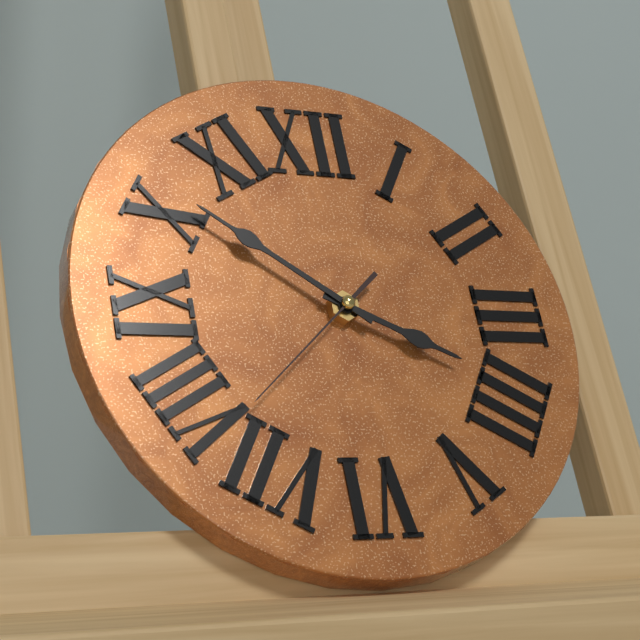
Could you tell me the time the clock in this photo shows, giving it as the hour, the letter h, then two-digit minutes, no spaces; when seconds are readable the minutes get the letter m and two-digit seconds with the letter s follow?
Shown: 3h51m38s
